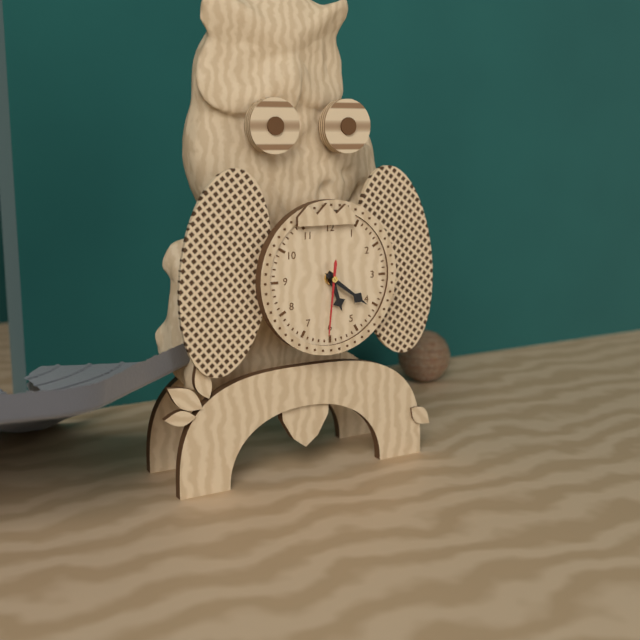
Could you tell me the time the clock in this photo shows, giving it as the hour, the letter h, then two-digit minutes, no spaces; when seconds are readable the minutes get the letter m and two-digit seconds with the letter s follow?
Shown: 5h21m31s
